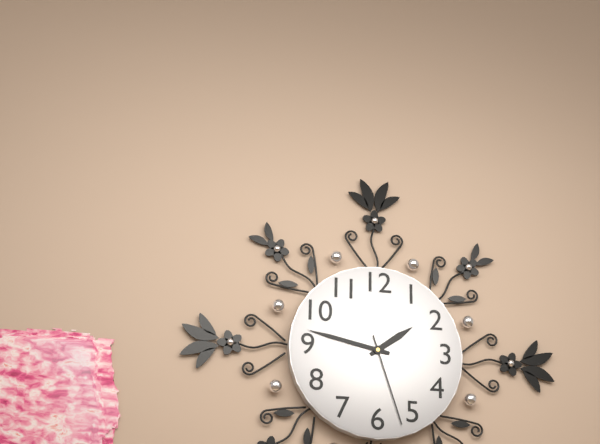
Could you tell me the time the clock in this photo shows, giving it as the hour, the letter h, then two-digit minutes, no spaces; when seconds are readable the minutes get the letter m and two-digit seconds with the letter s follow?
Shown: 1h47m27s
